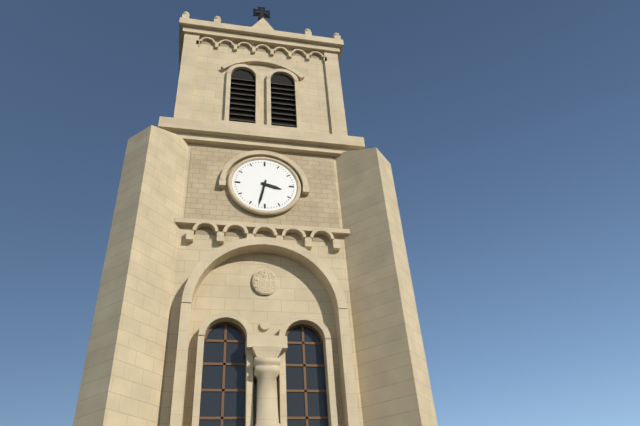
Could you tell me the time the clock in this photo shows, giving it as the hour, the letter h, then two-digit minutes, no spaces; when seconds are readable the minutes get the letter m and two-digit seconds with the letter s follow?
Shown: 3h32
